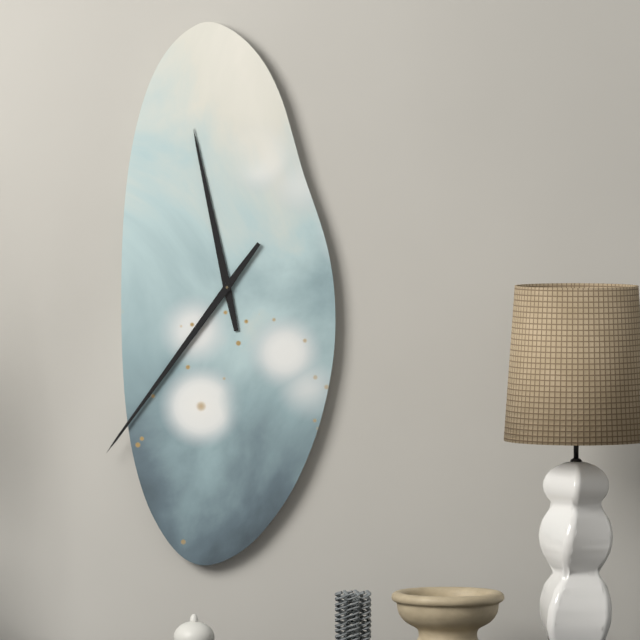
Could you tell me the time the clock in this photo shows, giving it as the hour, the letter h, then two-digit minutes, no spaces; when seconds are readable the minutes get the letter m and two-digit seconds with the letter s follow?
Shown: 11h36
